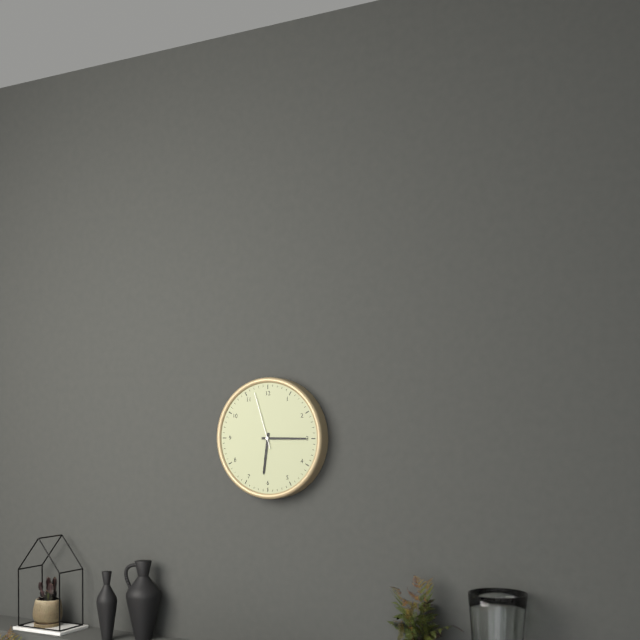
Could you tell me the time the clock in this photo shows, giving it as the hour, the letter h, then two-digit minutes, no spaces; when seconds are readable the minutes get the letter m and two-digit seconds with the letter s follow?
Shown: 6h15m57s
